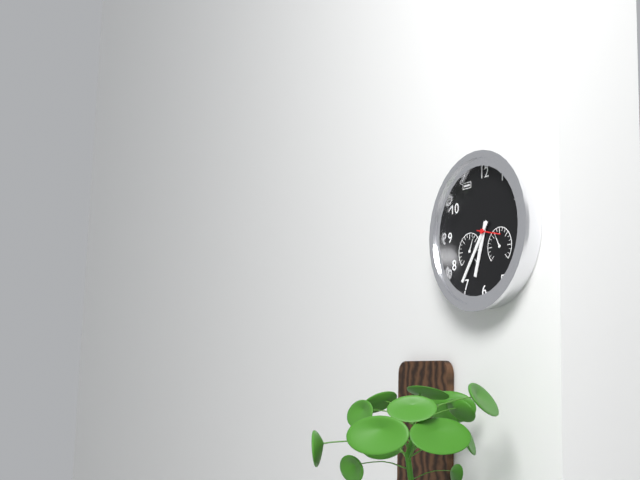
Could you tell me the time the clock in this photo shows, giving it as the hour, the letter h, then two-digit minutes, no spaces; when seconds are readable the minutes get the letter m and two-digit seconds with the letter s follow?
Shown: 6h36
